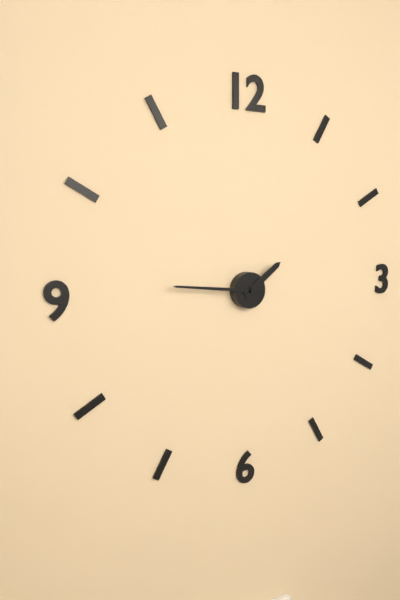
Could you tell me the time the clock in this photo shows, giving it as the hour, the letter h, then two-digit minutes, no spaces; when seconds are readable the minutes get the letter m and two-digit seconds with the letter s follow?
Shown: 1h46
